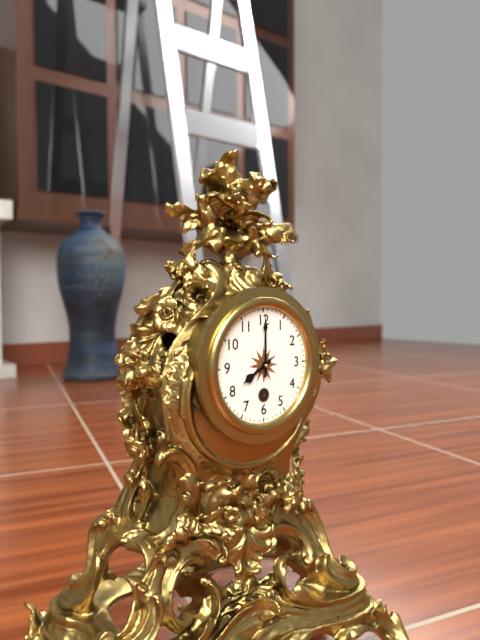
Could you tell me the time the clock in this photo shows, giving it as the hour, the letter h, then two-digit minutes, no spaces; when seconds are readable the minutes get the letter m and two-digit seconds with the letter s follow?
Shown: 8h00
